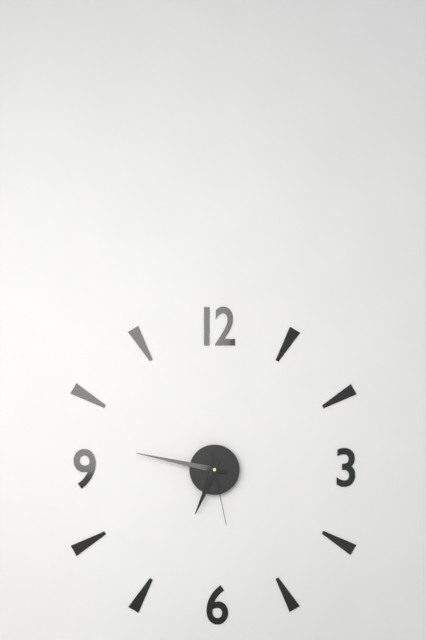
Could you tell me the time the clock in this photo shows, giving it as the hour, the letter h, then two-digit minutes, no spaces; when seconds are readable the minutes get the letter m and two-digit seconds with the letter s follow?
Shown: 6h47m28s
